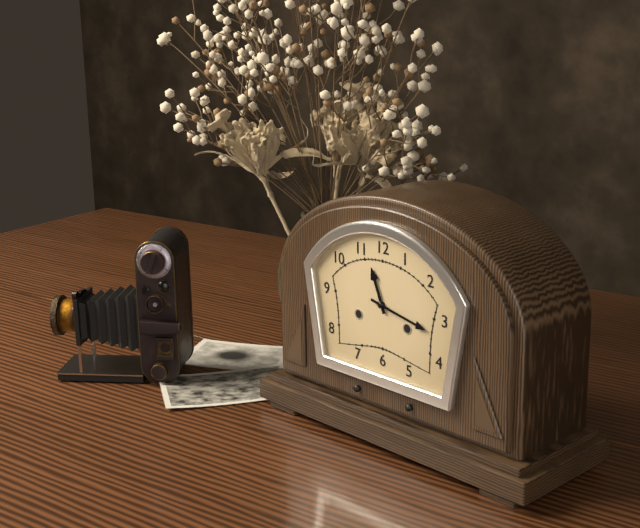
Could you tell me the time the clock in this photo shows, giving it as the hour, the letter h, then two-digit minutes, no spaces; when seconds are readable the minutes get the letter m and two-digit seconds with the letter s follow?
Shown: 11h17
